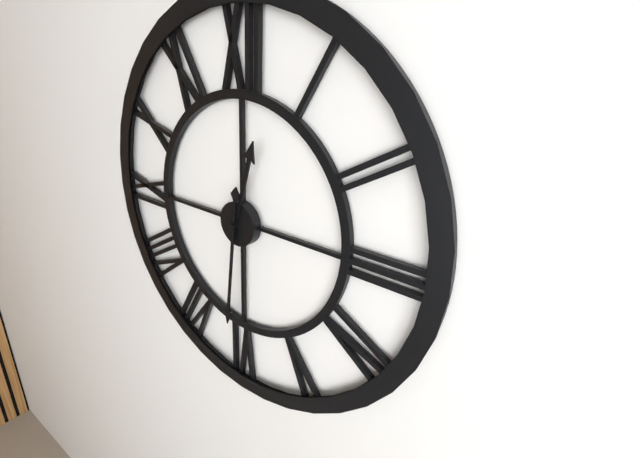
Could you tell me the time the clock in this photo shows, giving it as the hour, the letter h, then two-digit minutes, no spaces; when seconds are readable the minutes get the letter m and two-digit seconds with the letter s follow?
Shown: 12h31
